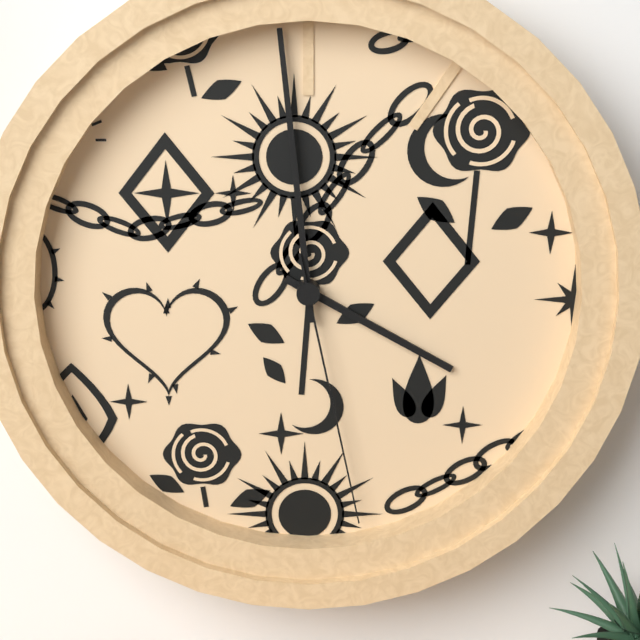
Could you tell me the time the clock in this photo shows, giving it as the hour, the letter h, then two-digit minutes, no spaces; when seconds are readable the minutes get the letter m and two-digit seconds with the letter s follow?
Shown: 3h59m28s
